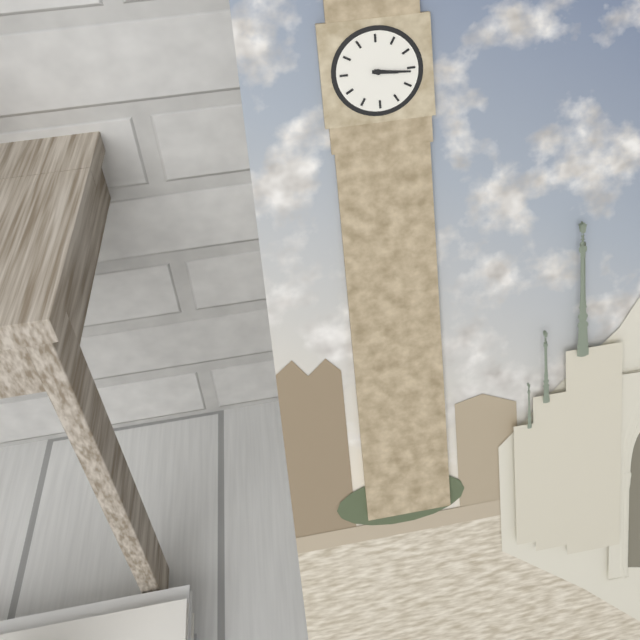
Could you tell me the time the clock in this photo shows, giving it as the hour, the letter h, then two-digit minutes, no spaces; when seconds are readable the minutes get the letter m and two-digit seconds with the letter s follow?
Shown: 3h16
